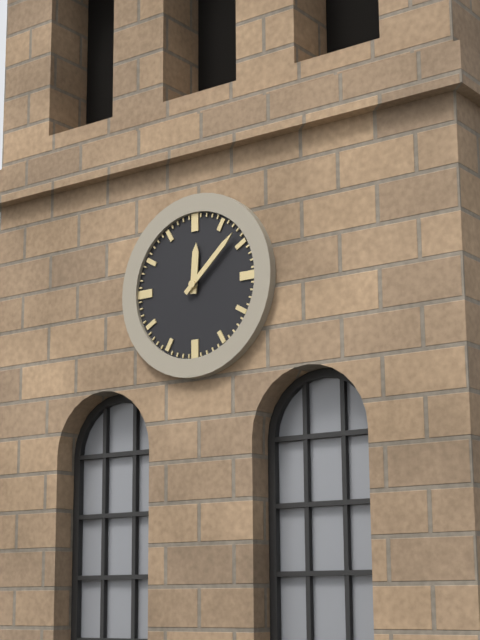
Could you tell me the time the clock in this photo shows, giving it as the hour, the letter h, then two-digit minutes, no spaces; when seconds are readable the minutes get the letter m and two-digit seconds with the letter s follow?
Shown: 12h08
